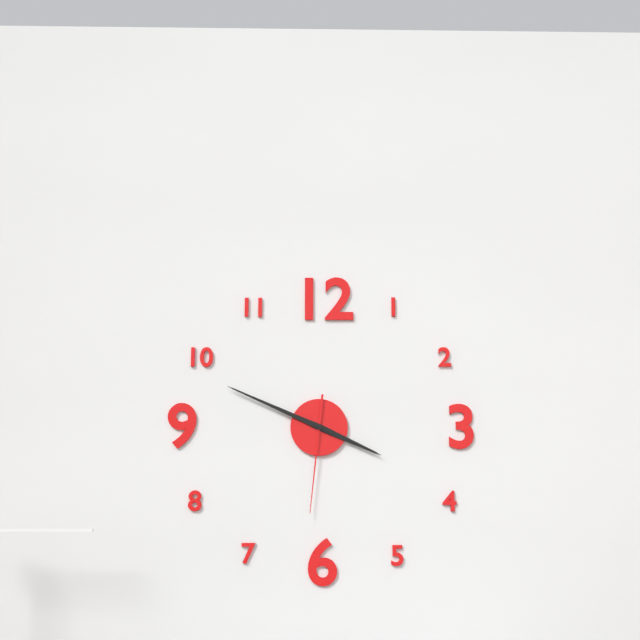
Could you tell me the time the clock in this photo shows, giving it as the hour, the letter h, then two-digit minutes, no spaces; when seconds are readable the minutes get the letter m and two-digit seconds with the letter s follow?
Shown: 3h49m31s
